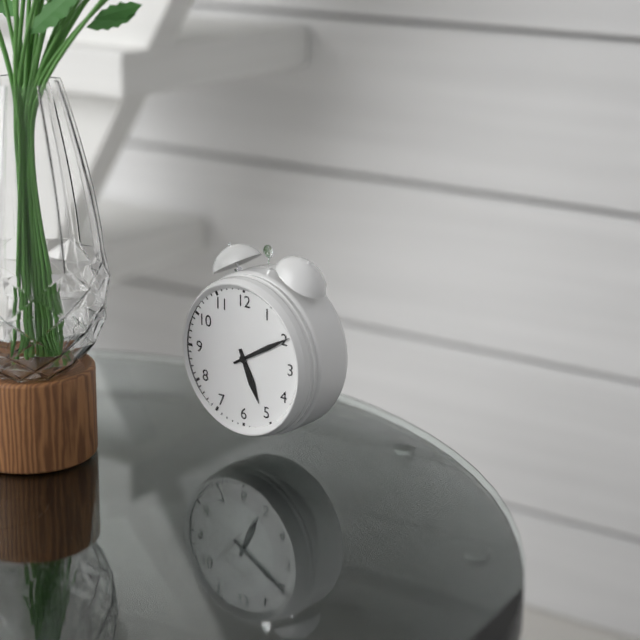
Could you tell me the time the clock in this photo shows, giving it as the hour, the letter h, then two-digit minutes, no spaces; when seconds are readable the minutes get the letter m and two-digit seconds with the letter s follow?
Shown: 5h10
